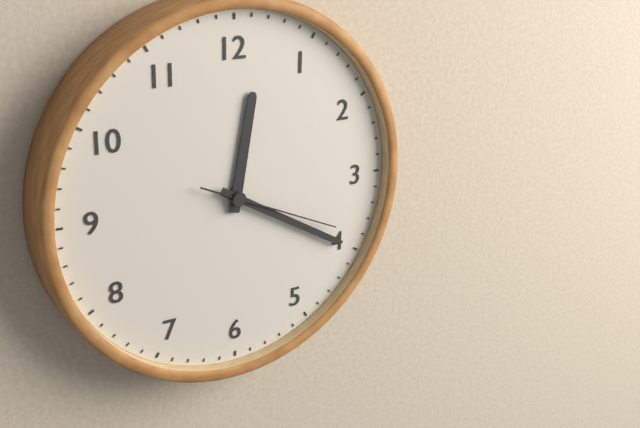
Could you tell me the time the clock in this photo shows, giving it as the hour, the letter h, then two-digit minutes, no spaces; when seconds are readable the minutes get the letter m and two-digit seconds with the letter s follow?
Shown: 12h20m19s
